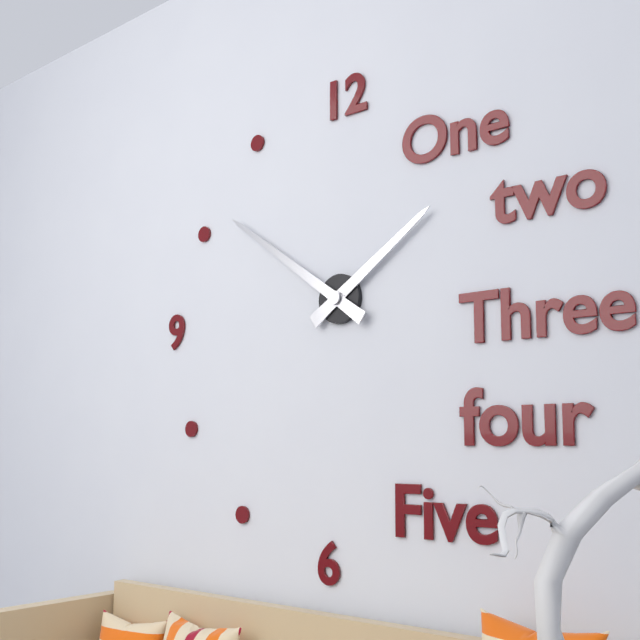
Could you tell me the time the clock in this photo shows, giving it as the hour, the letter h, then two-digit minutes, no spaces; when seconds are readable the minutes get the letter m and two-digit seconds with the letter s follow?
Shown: 1h51
